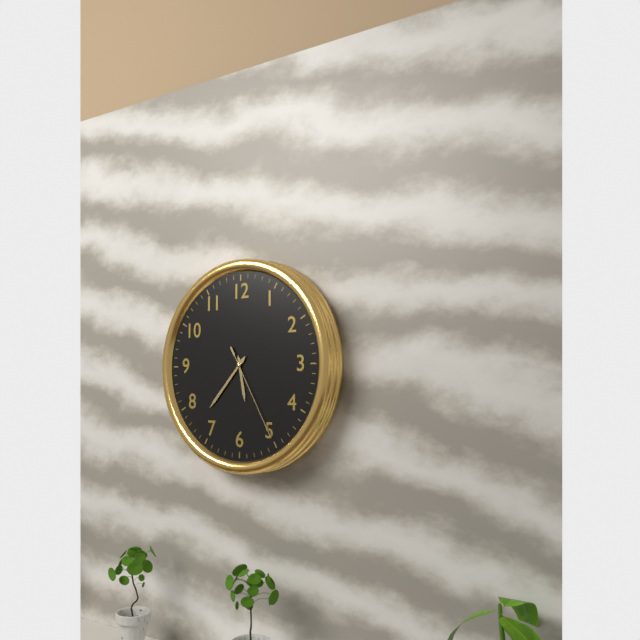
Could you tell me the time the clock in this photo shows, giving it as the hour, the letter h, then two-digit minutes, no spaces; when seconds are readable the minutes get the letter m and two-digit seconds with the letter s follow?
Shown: 5h37m25s
